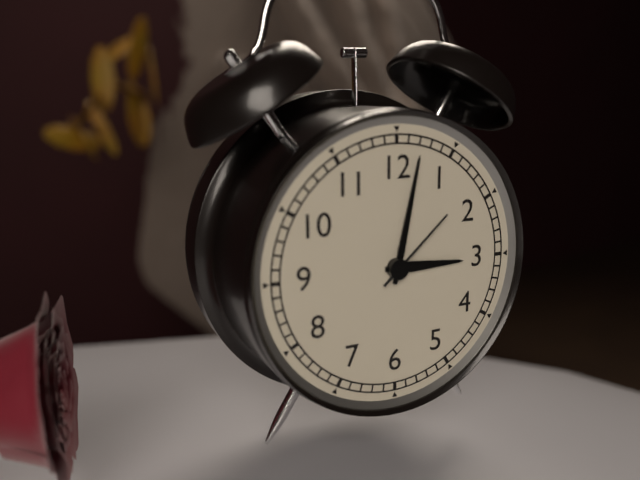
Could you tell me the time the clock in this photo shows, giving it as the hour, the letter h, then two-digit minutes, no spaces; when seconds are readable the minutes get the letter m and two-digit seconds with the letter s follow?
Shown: 3h02m08s
